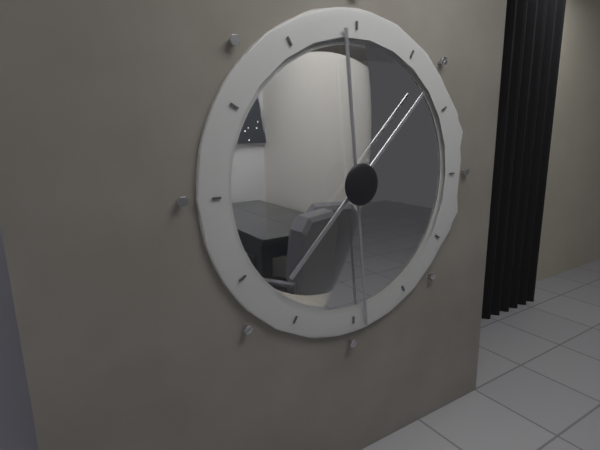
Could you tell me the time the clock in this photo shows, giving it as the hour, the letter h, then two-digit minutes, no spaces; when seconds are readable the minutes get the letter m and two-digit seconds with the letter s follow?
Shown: 1h29
